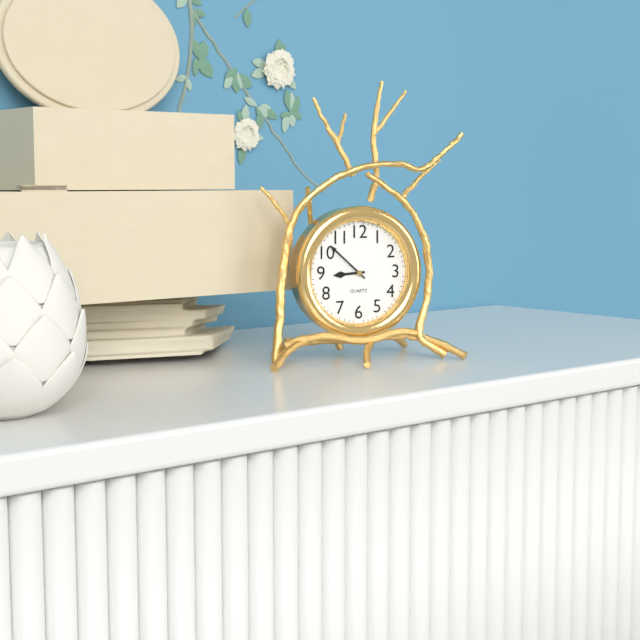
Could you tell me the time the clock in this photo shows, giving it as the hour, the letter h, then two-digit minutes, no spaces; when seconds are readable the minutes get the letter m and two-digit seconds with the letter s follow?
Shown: 8h52
